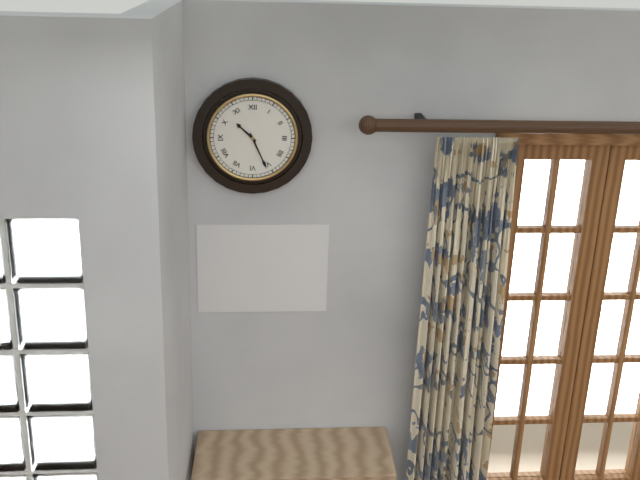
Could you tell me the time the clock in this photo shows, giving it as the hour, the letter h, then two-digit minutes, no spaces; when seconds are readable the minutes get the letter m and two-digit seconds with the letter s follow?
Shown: 10h26
